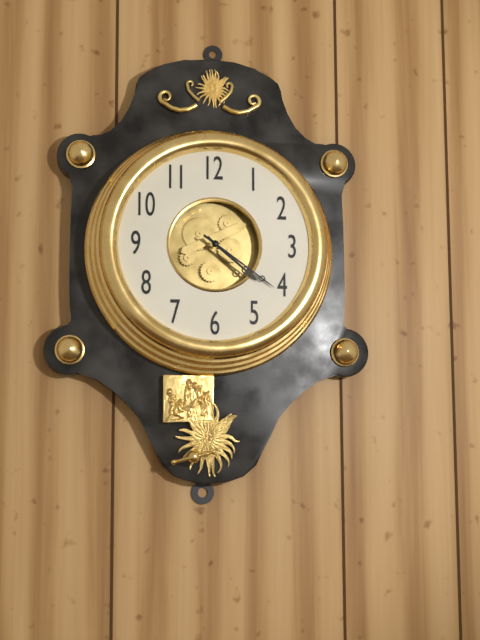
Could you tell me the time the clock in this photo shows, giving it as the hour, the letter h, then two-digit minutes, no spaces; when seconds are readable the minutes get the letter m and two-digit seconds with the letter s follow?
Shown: 4h21
